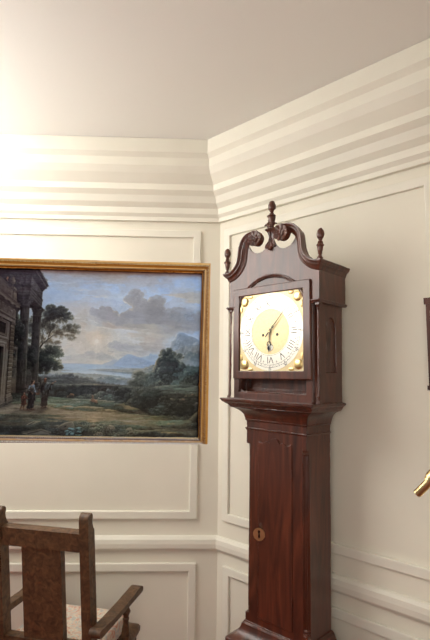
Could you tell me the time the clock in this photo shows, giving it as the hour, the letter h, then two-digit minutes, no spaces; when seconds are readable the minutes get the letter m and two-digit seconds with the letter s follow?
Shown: 6h07
